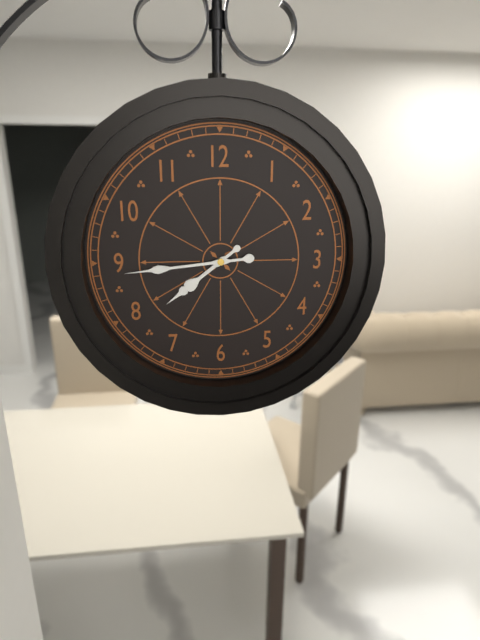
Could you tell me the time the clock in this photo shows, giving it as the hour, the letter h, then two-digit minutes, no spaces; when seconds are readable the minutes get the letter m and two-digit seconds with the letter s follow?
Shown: 7h44
